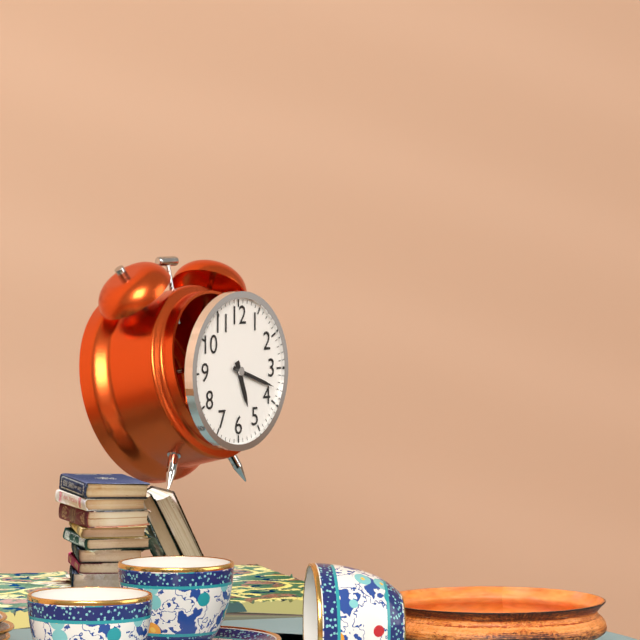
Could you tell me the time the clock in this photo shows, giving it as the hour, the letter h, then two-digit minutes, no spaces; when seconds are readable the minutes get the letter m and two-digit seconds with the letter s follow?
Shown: 5h18
